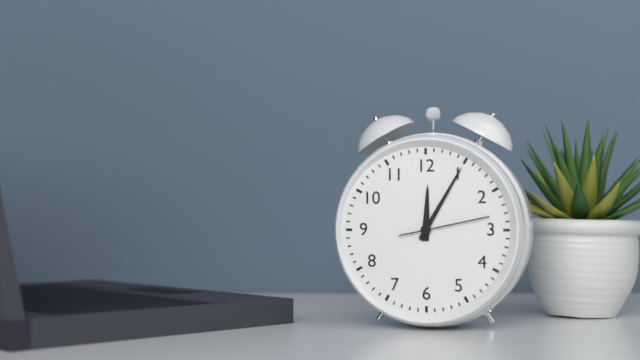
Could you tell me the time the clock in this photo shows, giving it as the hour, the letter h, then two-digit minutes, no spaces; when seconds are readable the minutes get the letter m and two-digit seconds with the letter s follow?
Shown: 12h05m13s
